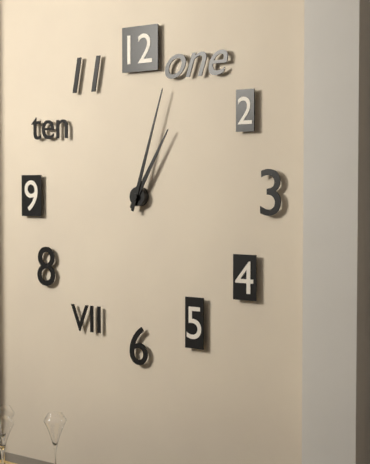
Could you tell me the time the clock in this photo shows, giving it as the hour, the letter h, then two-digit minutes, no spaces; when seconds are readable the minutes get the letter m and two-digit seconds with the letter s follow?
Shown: 1h03
